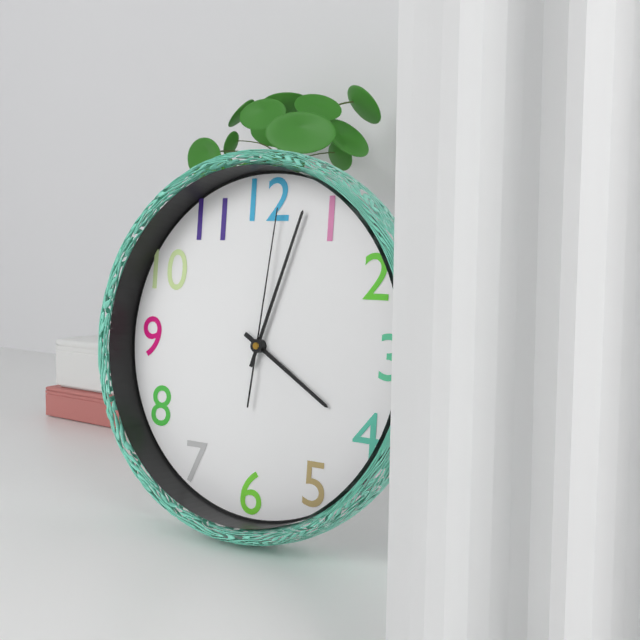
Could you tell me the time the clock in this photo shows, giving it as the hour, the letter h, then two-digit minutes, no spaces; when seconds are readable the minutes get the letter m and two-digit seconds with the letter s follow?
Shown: 4h03m01s
